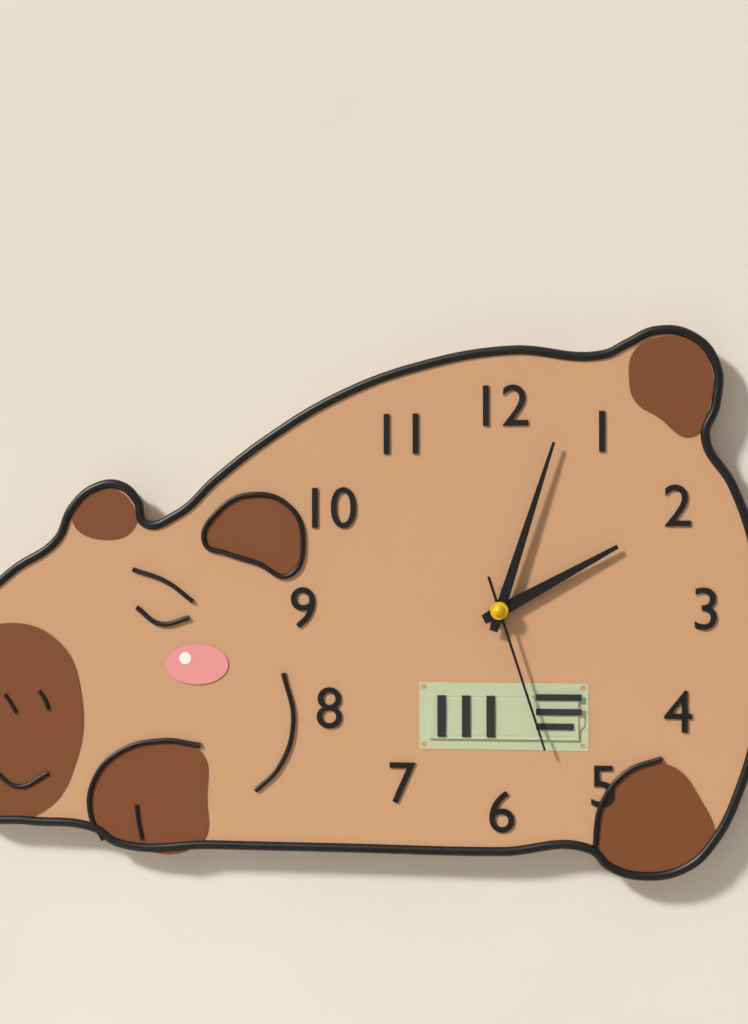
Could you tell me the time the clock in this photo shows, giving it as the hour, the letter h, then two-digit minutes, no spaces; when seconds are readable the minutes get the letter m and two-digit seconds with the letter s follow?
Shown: 2h03m27s
